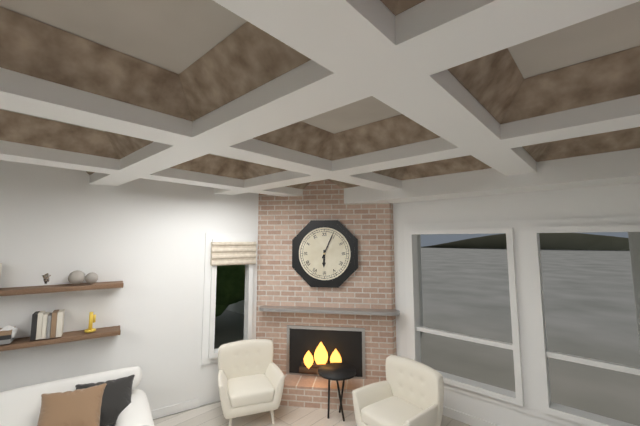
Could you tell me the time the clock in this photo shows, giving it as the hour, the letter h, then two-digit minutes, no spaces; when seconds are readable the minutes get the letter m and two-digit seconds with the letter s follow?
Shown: 6h04
